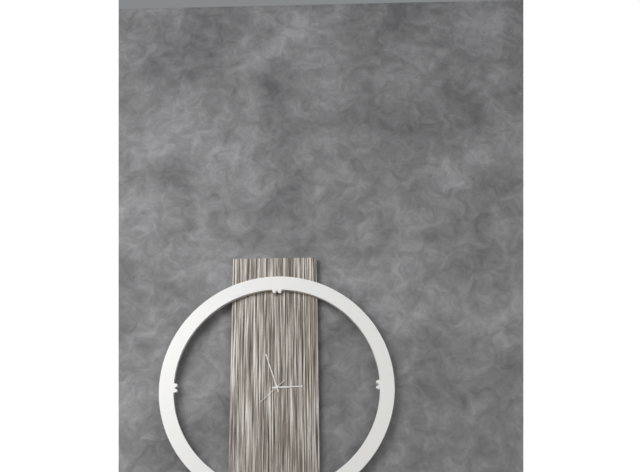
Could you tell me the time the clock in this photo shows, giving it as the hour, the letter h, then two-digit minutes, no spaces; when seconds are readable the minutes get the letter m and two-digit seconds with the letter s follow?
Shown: 2h57
